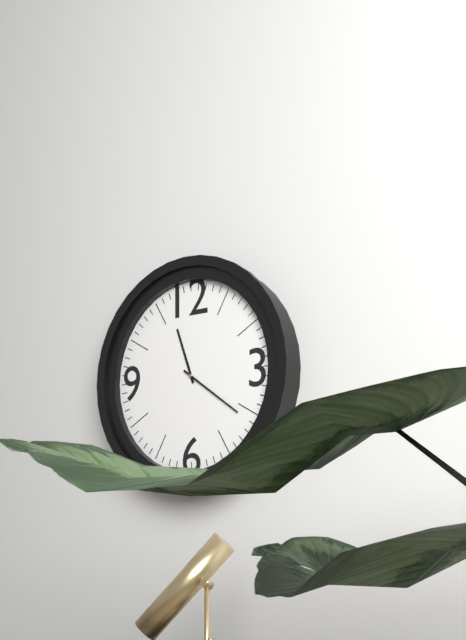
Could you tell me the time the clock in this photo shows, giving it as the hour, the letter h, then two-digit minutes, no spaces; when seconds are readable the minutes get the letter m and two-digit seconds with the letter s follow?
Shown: 11h21
